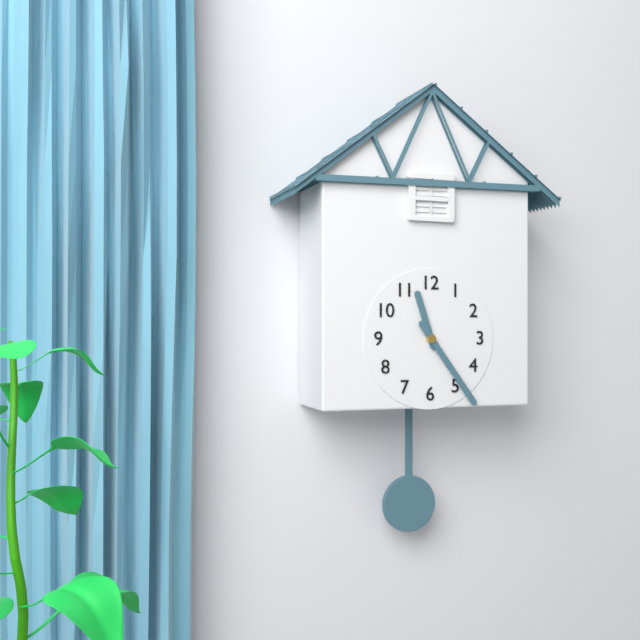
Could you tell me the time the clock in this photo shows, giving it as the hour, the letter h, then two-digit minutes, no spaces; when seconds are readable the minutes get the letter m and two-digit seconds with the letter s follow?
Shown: 11h24
